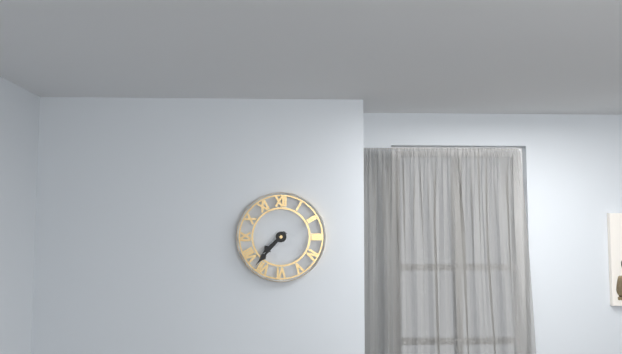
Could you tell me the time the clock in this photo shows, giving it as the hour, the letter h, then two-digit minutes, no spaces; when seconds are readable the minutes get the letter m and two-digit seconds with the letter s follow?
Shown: 7h37
